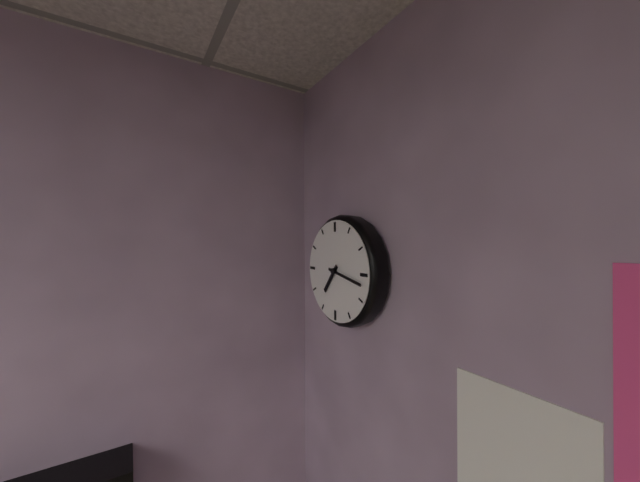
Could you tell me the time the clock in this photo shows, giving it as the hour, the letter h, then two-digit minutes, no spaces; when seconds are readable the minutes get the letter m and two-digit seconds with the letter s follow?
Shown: 7h17
